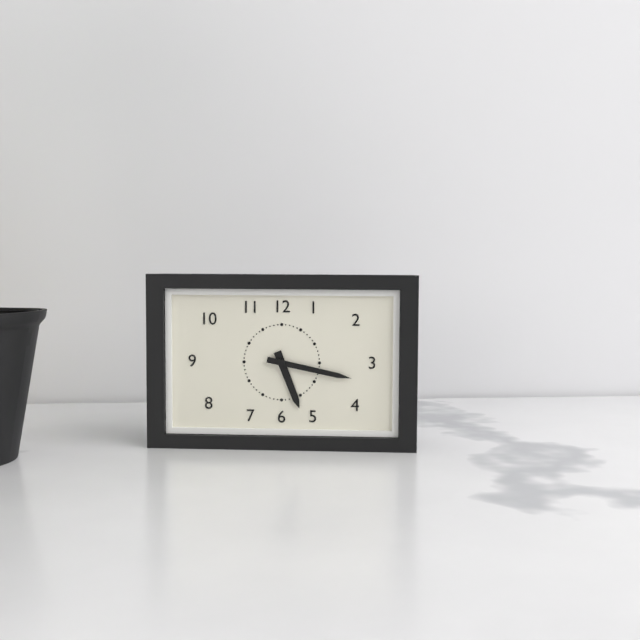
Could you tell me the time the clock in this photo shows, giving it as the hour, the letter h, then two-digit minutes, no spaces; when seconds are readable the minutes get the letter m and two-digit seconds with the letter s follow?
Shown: 5h17
